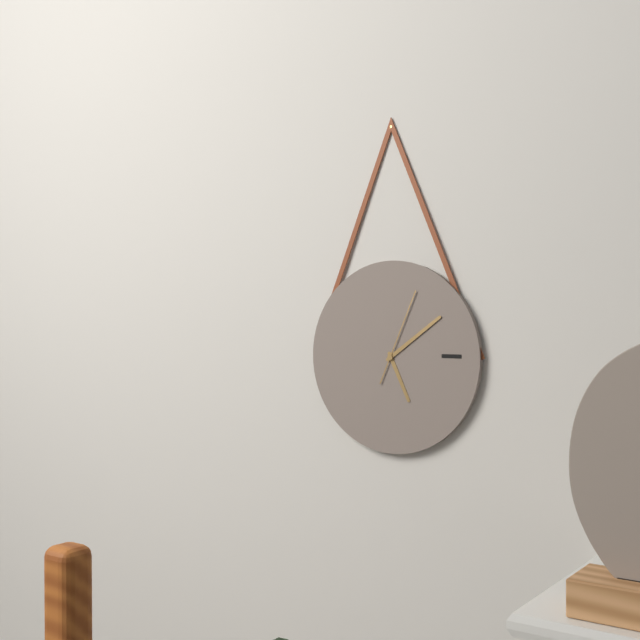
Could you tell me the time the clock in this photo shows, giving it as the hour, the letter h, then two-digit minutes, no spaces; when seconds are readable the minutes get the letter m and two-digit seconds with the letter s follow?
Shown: 5h09m04s
